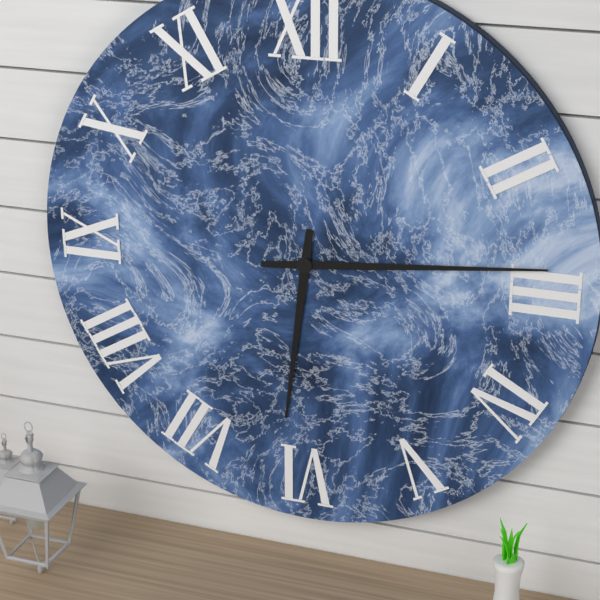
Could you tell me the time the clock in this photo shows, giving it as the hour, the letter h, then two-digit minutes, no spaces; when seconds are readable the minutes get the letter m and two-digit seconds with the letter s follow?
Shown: 6h14
